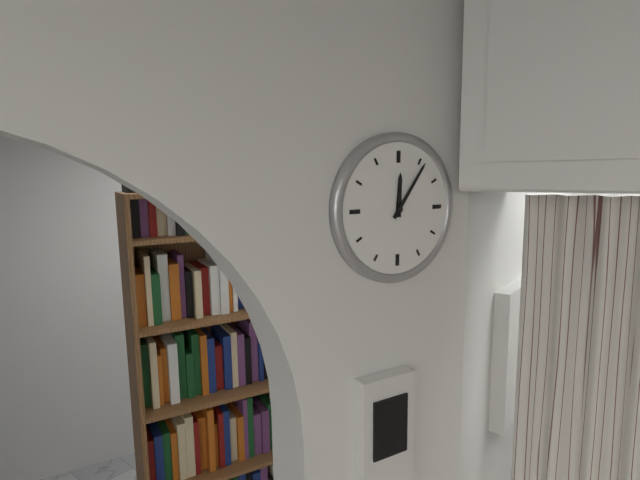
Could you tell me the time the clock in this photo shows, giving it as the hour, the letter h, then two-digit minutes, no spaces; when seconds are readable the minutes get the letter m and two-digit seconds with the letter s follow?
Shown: 12h06
